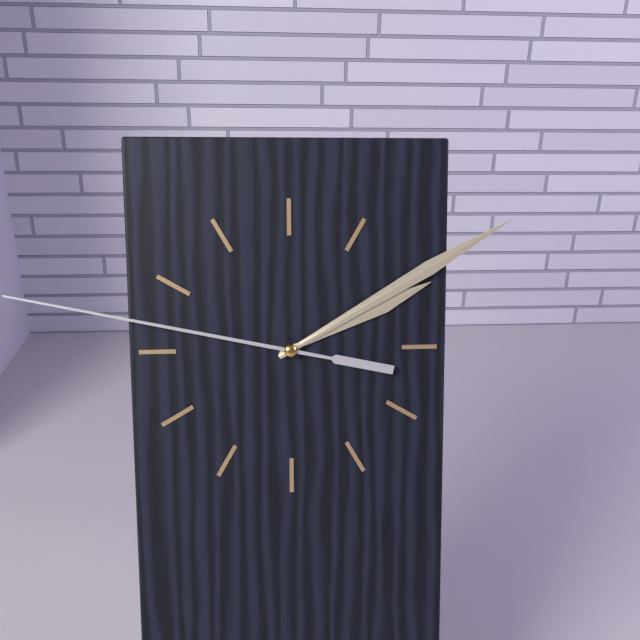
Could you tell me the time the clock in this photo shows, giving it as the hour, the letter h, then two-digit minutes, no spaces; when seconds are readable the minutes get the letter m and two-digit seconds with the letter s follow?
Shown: 2h10m47s
